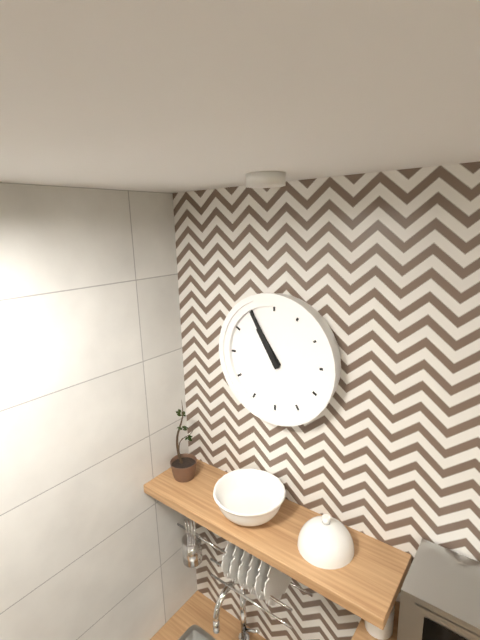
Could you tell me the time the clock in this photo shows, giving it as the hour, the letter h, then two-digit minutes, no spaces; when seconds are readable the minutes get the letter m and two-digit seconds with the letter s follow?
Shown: 10h55
